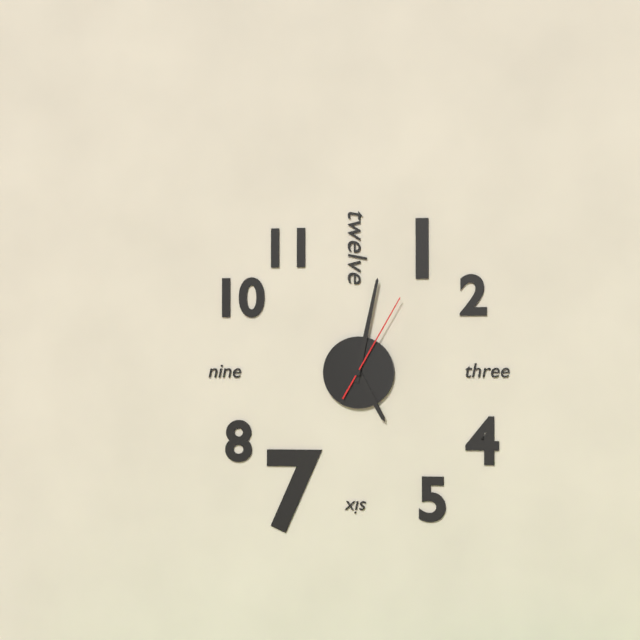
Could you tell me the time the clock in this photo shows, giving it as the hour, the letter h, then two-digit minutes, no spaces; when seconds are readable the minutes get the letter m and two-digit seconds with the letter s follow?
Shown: 5h02m05s
